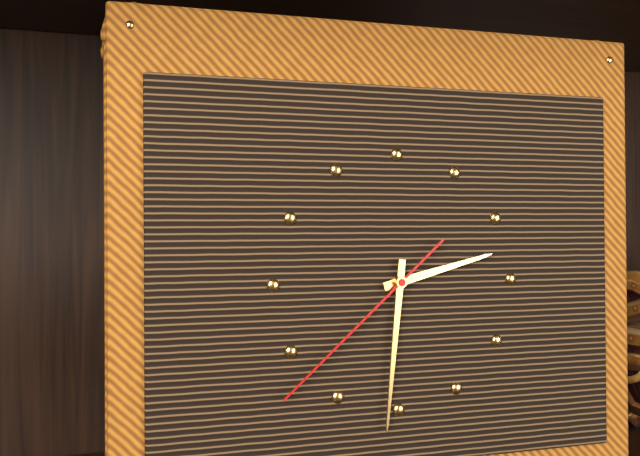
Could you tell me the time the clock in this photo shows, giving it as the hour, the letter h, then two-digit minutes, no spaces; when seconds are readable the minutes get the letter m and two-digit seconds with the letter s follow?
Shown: 2h31m38s
